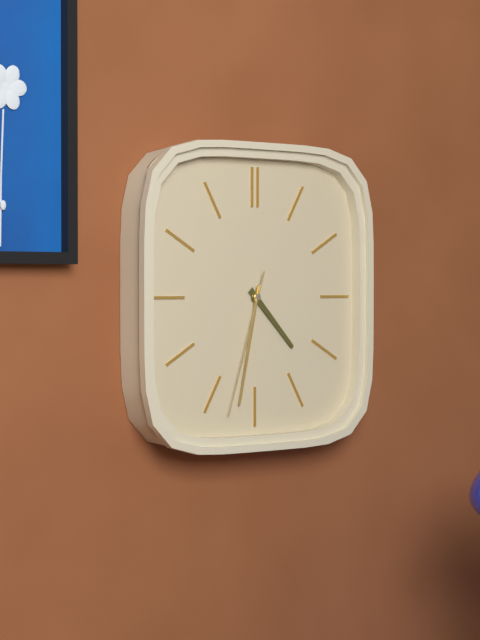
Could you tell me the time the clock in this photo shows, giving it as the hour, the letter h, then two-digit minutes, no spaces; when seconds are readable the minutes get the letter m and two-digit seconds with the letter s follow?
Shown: 4h32m33s
